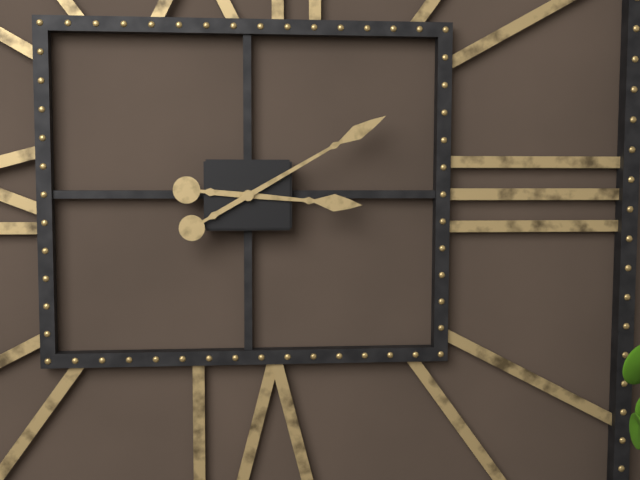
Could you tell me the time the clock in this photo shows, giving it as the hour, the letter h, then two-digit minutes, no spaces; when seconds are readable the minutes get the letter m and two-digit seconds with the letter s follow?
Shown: 3h10
